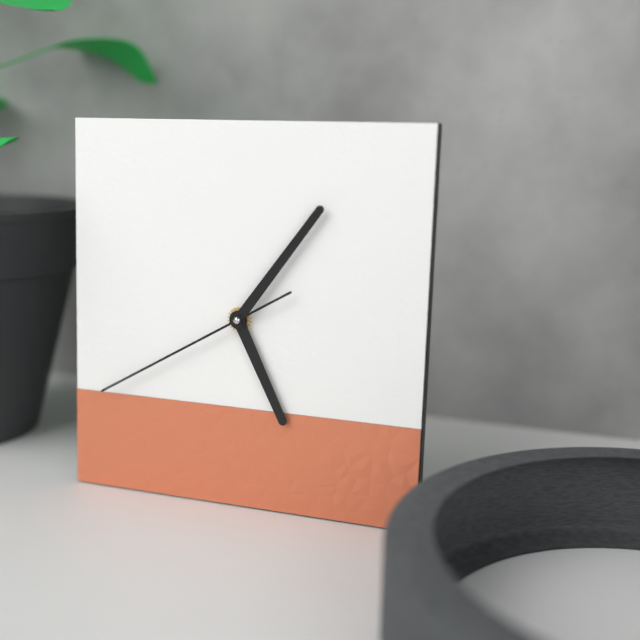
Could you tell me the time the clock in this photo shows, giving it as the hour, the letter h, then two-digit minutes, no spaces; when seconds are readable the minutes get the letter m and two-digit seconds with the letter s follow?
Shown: 5h06m40s
